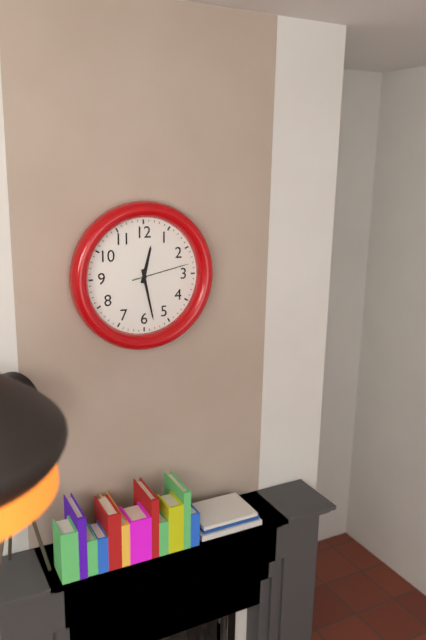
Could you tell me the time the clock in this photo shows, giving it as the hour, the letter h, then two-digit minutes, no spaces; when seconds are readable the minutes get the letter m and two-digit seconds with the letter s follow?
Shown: 12h28m13s
